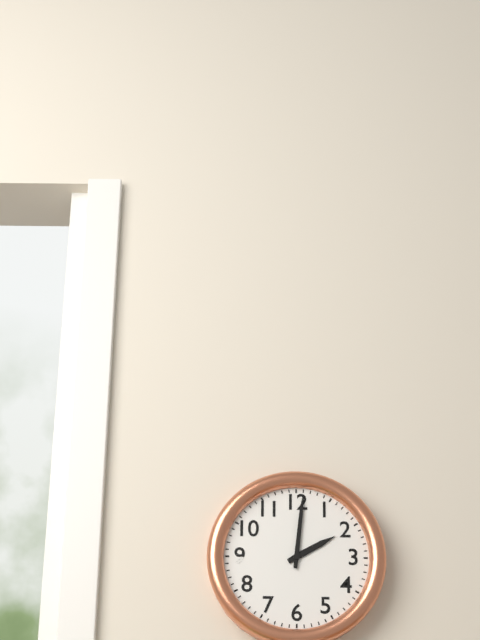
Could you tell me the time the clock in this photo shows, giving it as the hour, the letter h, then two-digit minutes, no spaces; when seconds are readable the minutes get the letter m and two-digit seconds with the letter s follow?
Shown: 2h01
